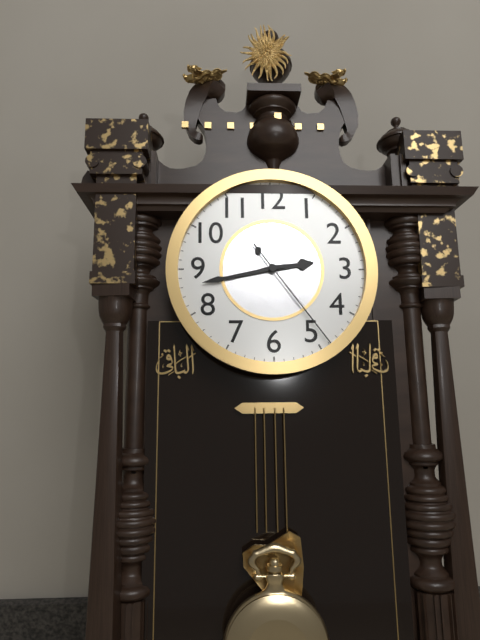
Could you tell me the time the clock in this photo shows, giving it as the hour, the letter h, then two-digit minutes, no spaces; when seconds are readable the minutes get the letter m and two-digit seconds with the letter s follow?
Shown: 2h43m24s
